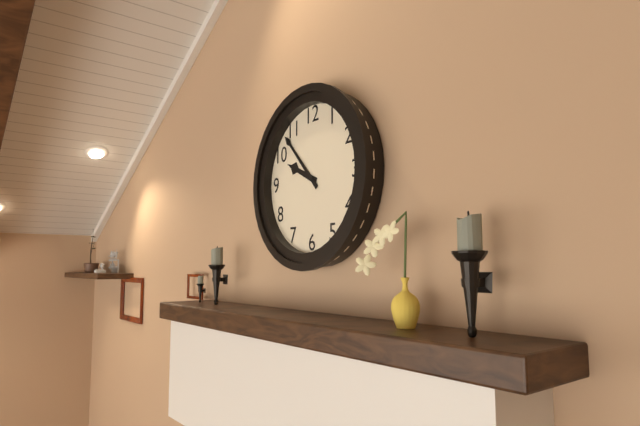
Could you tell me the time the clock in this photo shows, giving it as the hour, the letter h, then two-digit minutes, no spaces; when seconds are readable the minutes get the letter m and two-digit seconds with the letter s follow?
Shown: 9h53
